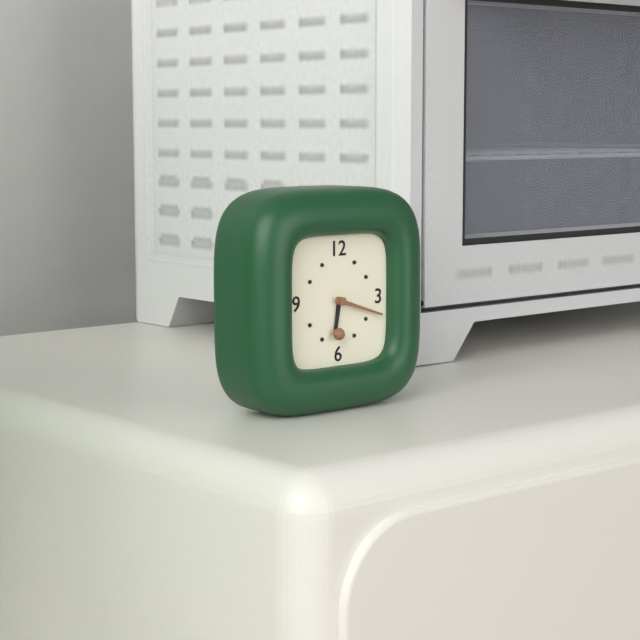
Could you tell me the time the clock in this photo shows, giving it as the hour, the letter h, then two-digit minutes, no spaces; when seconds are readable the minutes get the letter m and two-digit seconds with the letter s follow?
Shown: 6h18
